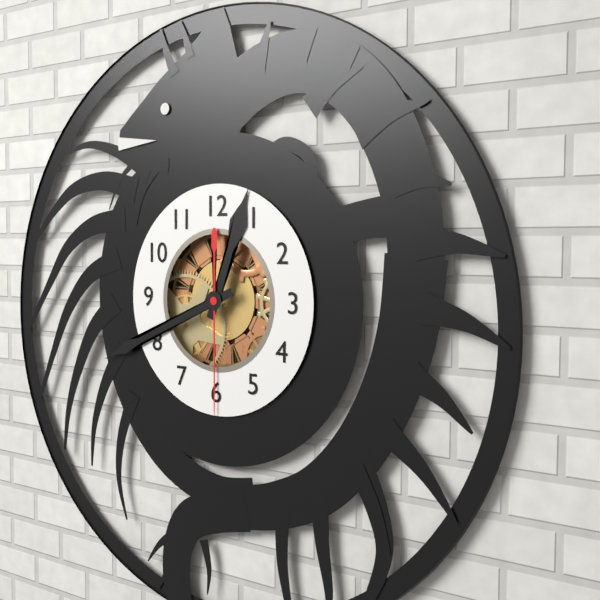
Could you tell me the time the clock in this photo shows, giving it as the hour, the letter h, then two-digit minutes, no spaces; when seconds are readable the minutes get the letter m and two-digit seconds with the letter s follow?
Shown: 12h41m30s
